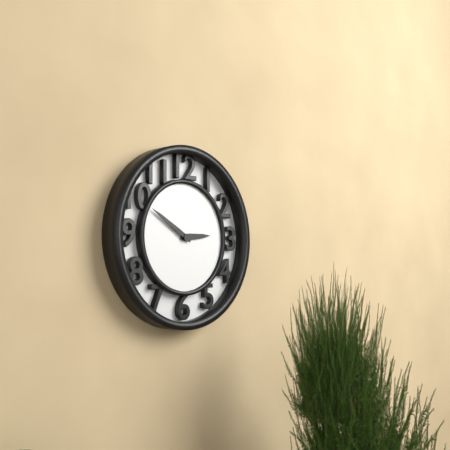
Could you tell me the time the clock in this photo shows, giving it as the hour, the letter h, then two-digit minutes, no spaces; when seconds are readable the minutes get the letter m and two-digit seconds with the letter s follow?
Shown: 2h50
